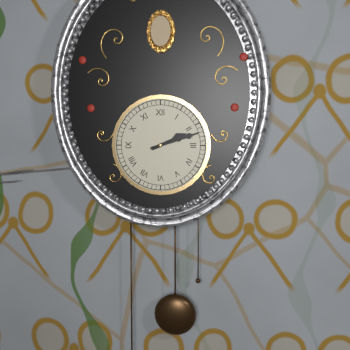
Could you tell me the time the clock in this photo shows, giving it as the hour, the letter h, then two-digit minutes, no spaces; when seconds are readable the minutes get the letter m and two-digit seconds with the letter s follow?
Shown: 2h12
